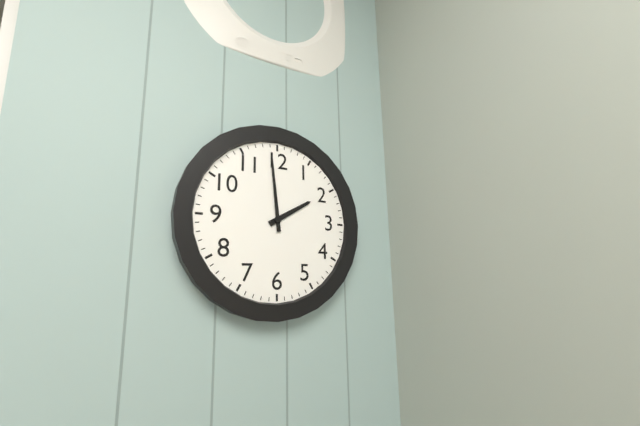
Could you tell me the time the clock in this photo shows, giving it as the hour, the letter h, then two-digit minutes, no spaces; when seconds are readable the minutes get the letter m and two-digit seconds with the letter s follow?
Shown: 1h59
